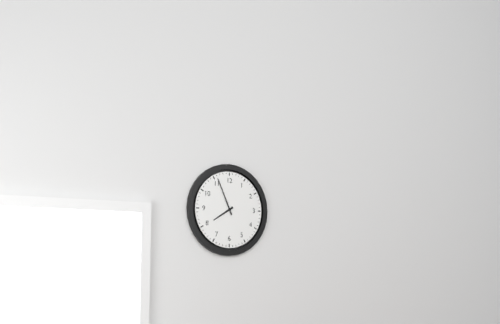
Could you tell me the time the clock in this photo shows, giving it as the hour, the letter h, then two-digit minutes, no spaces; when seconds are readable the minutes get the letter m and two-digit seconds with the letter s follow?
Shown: 7h56
